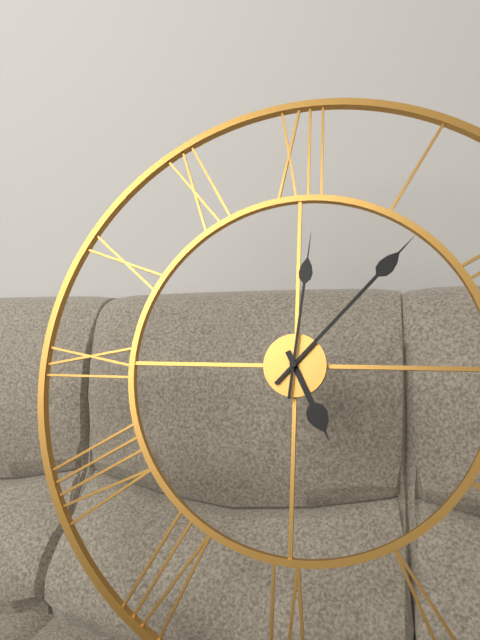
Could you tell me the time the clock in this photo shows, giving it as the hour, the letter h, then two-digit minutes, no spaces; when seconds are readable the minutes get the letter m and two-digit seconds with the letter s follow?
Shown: 5h07m01s
